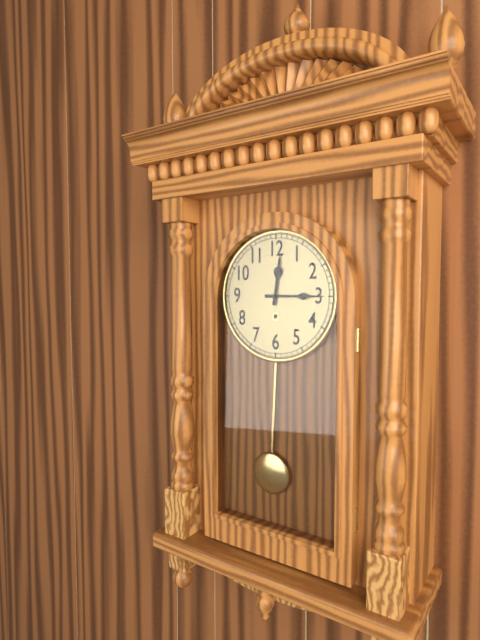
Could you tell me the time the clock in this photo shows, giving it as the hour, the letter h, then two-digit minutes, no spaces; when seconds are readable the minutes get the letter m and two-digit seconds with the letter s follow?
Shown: 12h15
